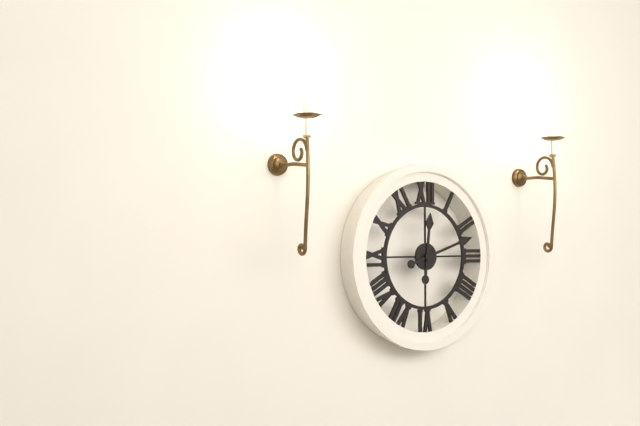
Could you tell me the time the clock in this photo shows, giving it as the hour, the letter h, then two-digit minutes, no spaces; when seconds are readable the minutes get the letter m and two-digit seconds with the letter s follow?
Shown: 12h12
